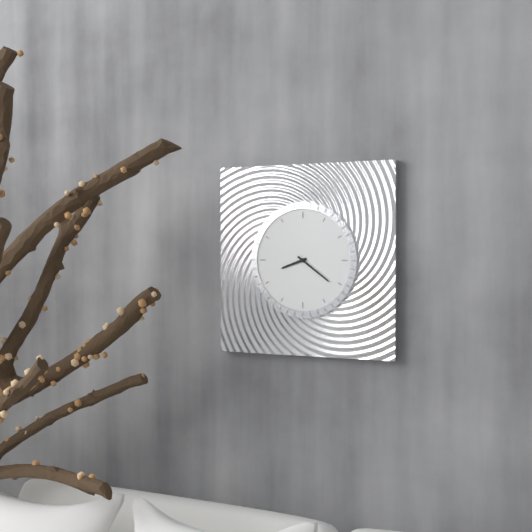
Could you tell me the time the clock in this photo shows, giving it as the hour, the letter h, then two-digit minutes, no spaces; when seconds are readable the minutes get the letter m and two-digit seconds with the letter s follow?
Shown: 8h21
